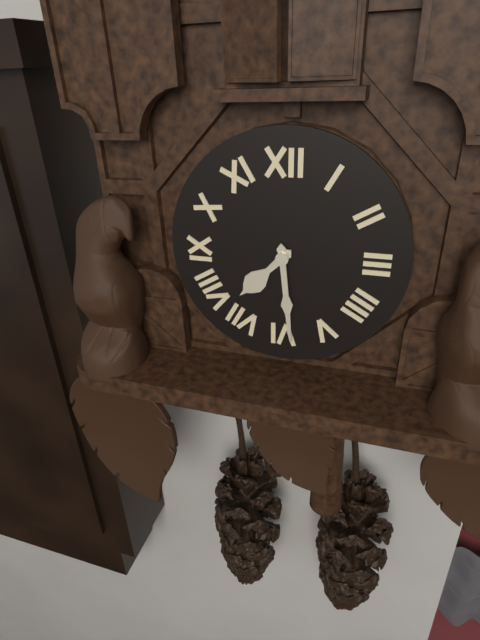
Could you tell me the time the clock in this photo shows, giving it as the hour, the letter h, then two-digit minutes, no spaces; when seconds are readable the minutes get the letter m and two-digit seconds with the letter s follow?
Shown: 7h29
